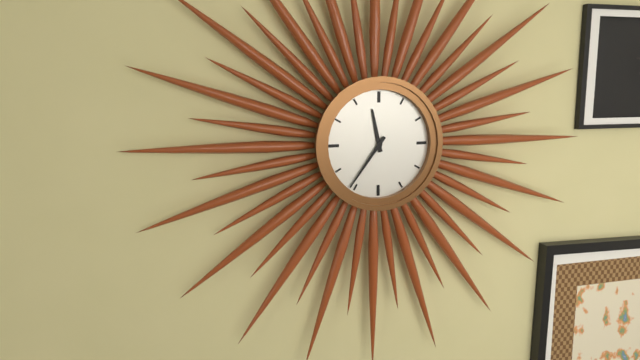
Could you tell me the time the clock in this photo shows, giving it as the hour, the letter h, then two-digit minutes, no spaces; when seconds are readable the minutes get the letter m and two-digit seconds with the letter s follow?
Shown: 11h36
